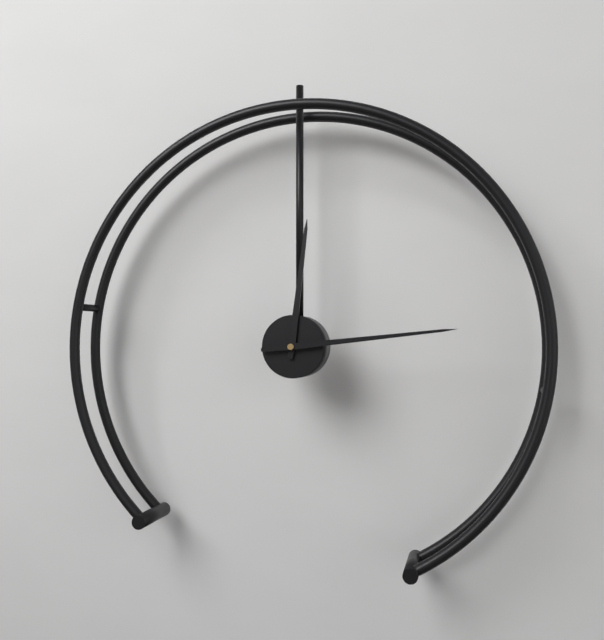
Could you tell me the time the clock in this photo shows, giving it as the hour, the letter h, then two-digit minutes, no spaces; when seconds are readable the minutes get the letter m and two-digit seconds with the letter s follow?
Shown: 12h14
